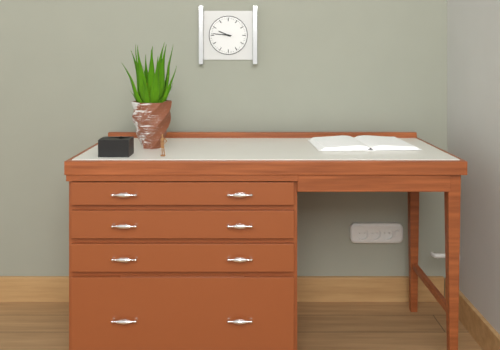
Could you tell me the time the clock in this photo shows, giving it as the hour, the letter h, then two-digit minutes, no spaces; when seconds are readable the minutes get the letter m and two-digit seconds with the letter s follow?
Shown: 9h46
